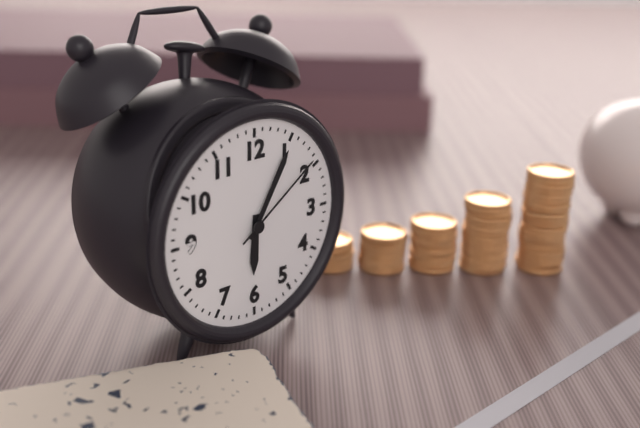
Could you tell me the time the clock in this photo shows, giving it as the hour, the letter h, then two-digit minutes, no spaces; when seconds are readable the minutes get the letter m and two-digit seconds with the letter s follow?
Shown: 6h05m09s
